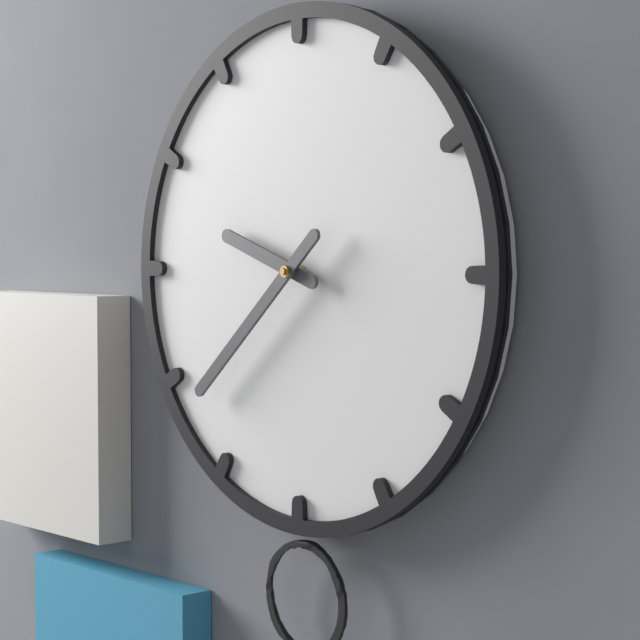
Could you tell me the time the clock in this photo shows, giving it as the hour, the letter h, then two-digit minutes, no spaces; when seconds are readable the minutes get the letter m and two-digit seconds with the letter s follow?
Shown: 9h38
